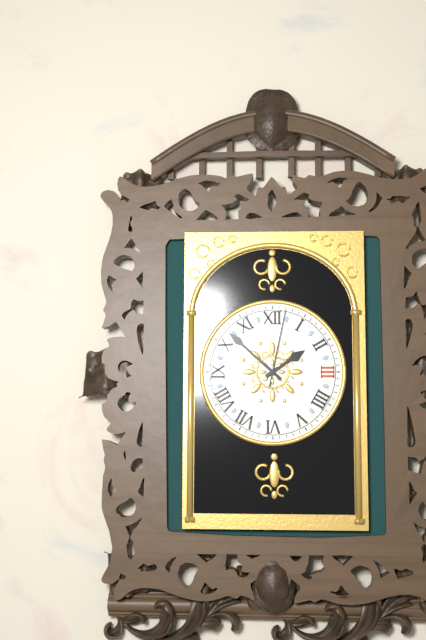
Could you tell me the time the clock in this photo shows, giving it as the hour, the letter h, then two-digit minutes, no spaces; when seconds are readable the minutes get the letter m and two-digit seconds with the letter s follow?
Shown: 1h52m02s
